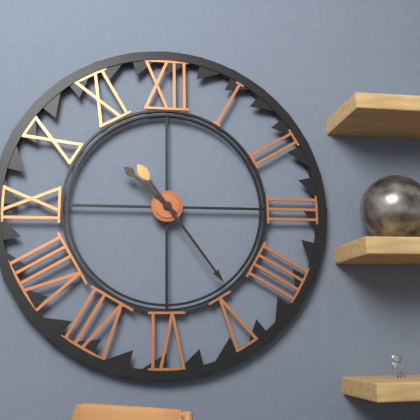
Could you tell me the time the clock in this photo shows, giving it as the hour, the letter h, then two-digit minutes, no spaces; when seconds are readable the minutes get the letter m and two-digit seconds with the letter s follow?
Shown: 10h24
